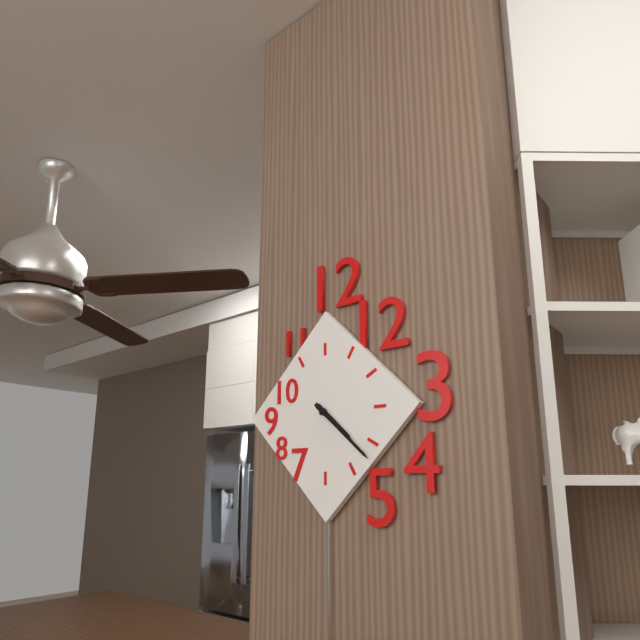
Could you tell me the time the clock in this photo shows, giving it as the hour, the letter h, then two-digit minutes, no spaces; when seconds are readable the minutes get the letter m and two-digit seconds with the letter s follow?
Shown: 4h22
